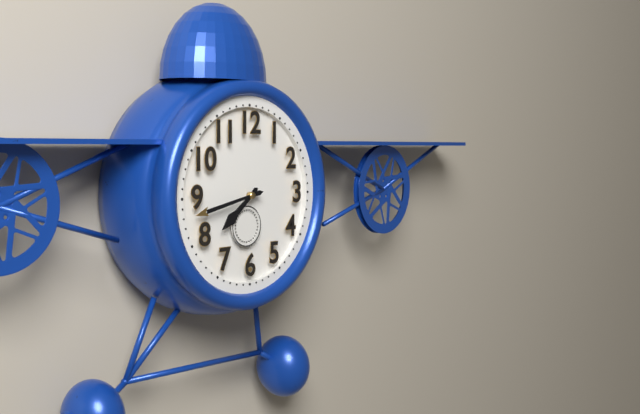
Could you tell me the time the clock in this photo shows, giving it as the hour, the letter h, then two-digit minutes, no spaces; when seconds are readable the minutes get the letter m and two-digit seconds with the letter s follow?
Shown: 7h43
